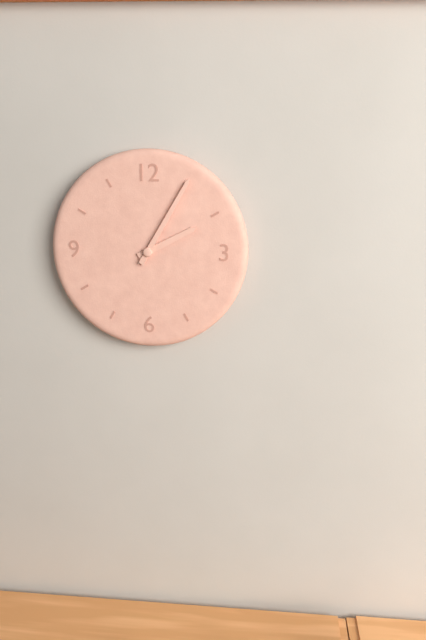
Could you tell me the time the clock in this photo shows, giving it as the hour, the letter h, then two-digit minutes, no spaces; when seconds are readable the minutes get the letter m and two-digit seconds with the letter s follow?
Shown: 2h05
